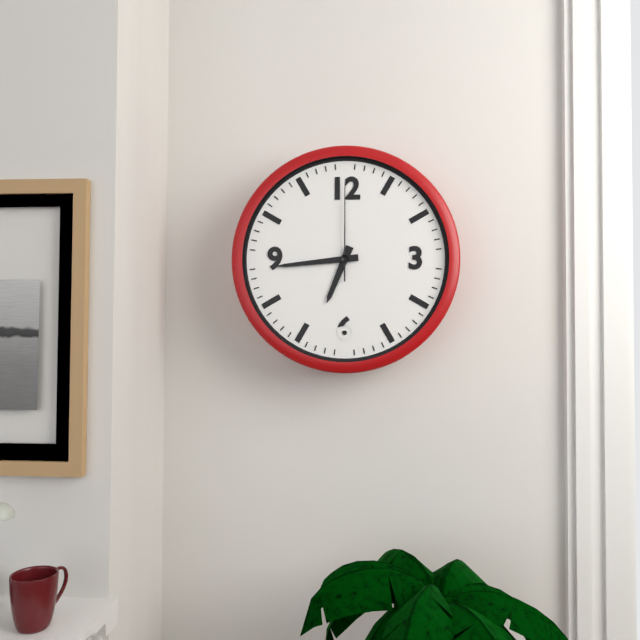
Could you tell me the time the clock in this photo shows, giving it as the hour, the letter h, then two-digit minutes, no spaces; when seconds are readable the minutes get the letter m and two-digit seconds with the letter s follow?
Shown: 6h44m00s
